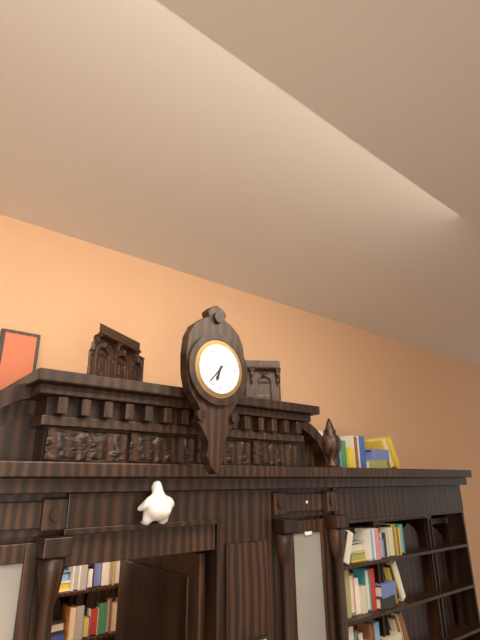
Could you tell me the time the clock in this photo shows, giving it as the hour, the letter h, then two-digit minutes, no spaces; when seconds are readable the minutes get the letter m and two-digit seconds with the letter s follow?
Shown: 6h37
